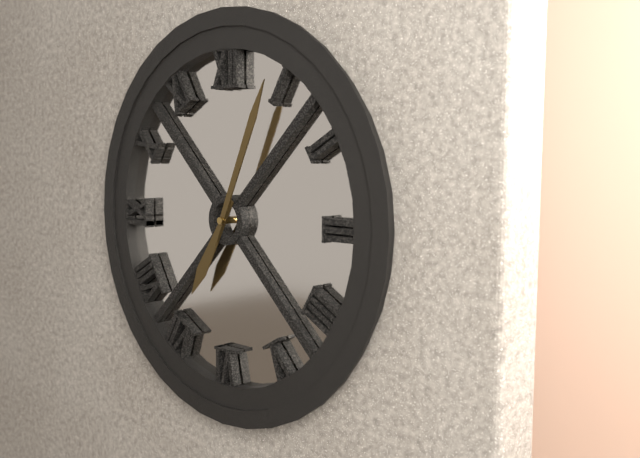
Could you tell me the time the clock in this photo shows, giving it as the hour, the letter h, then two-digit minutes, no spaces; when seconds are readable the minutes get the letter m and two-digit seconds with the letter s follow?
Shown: 7h04
